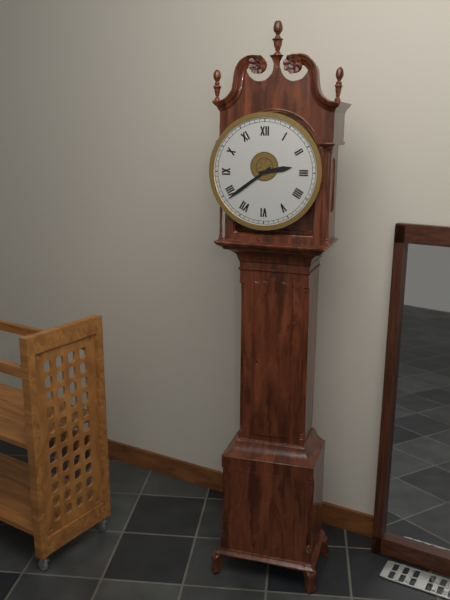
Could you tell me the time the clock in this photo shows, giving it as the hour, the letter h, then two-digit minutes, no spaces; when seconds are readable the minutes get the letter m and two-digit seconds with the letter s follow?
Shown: 2h39
